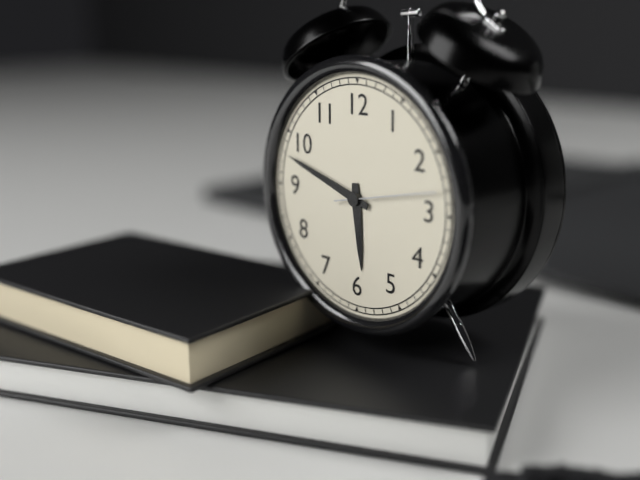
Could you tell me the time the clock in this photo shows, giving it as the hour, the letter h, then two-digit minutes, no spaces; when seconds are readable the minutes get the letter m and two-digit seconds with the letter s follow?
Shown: 5h48m13s
